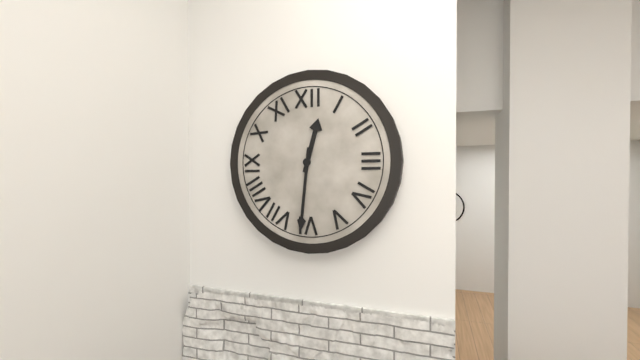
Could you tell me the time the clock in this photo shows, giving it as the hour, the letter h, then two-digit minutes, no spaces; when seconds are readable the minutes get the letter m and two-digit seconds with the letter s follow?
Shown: 12h31
